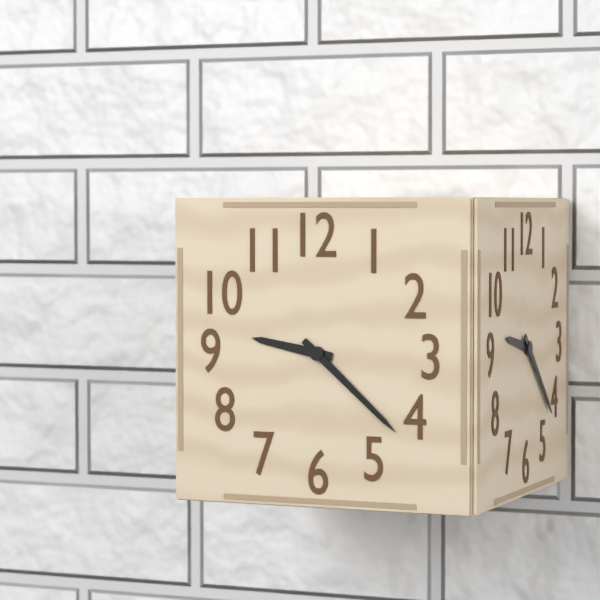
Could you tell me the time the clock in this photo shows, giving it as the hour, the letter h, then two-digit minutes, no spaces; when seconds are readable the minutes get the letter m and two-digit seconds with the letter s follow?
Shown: 9h22
